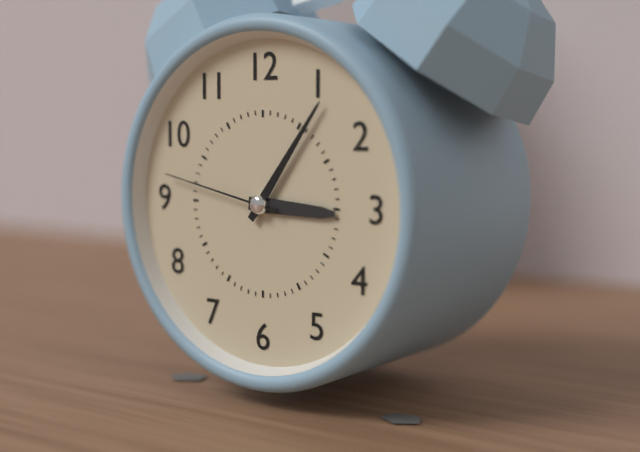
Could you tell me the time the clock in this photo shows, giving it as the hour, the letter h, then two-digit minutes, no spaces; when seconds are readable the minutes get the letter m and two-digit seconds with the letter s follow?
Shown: 3h06m47s
